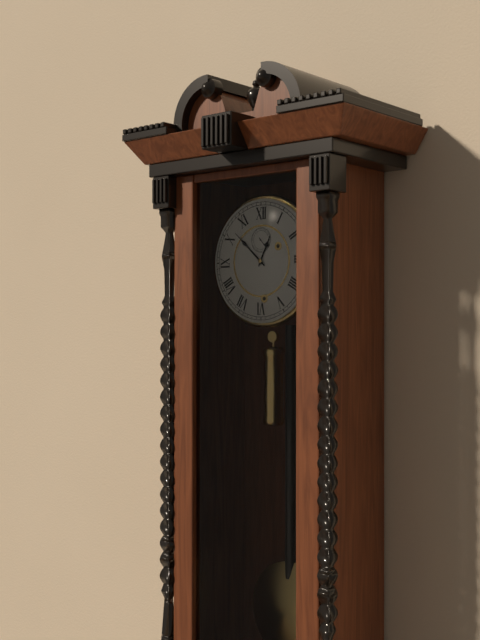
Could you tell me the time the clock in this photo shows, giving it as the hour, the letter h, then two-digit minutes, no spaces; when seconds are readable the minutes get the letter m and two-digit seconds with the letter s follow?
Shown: 12h52
